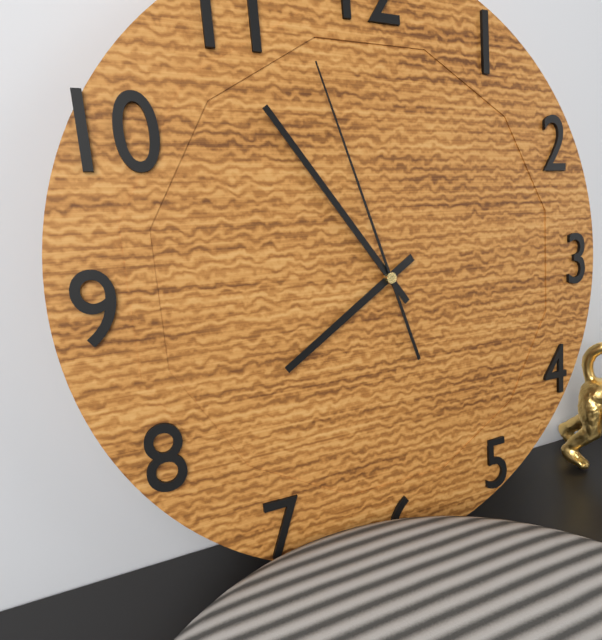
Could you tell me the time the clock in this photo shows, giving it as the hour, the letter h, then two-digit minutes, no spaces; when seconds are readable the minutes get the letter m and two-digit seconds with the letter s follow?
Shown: 7h54m57s
